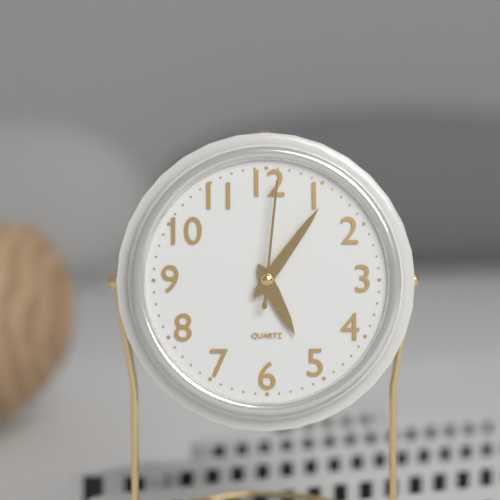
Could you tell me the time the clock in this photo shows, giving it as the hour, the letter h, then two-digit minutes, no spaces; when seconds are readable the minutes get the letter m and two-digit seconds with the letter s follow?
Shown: 5h06m01s
